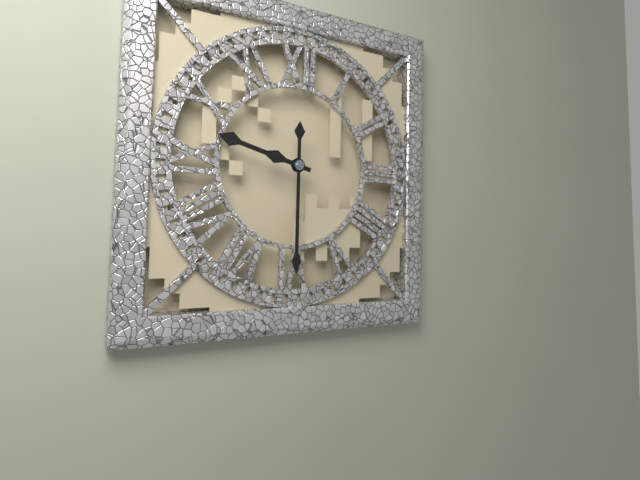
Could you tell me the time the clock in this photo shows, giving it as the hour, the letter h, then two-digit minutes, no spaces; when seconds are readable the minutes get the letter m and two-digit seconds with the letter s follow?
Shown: 9h30
